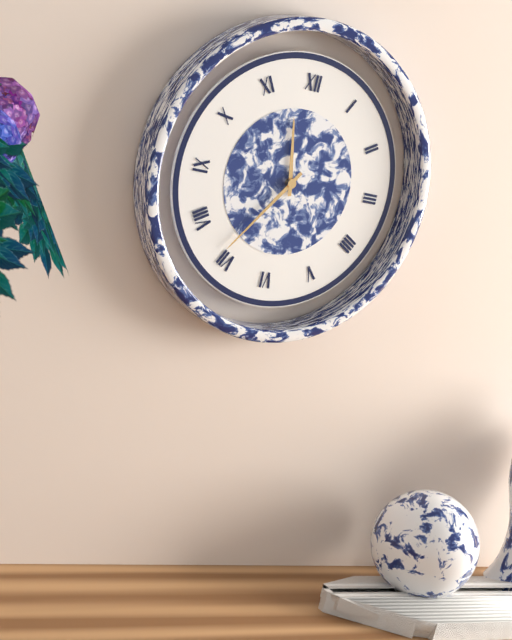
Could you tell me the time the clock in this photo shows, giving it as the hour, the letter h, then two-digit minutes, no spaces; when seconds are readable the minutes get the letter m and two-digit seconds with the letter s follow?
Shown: 11h36
